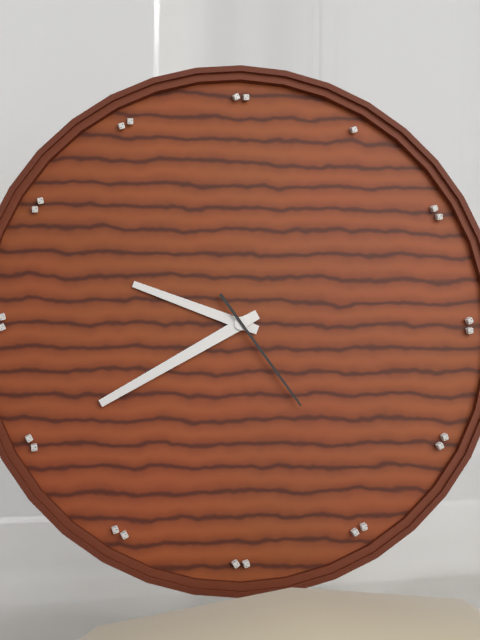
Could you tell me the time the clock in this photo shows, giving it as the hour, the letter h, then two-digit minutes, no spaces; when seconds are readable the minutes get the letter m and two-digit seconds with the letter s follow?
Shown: 9h40m24s
